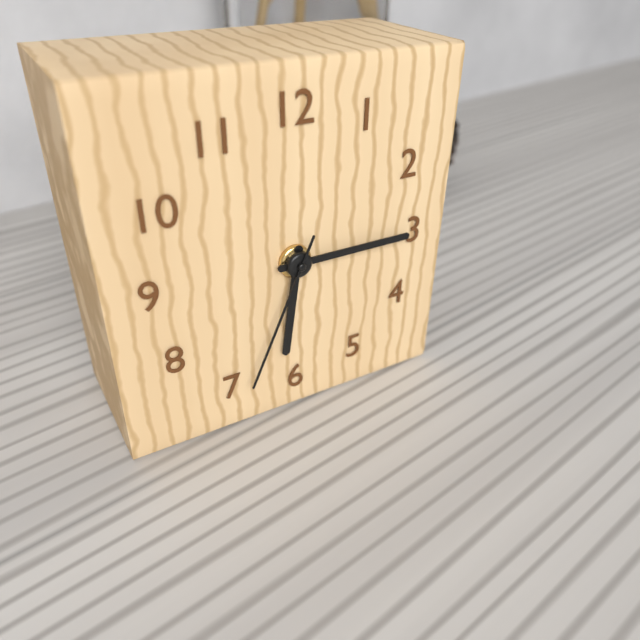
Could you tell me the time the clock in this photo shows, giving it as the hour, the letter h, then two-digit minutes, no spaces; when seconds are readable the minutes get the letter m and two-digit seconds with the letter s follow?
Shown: 6h15m34s
